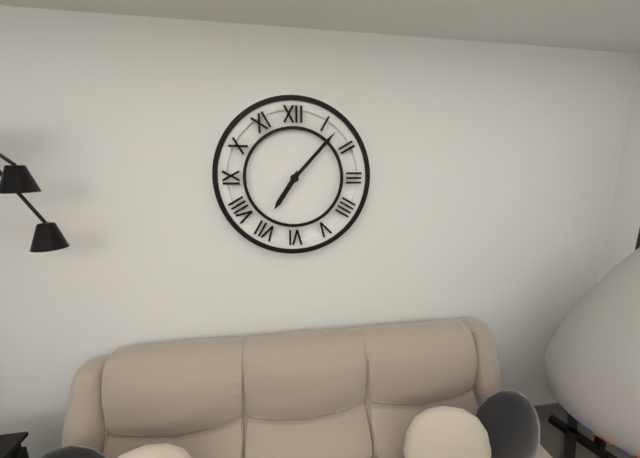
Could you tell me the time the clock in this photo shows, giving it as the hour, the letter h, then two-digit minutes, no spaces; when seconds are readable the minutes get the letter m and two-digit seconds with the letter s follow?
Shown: 7h07
